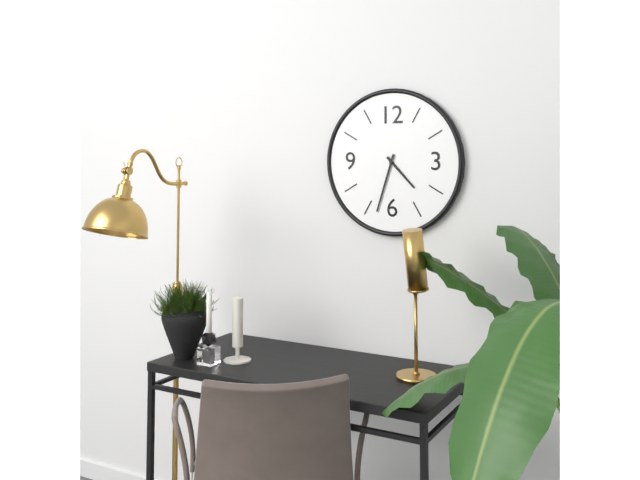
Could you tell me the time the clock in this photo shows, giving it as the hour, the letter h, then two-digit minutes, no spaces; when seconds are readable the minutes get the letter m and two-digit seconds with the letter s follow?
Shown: 4h33
